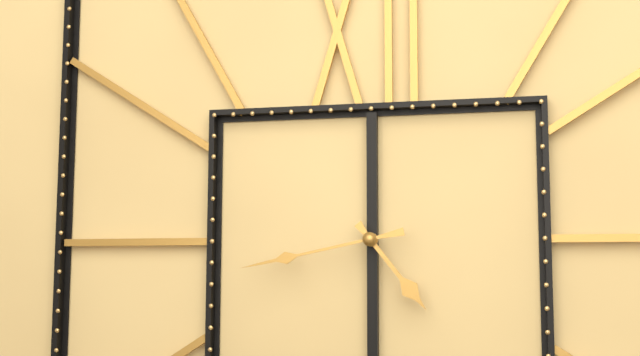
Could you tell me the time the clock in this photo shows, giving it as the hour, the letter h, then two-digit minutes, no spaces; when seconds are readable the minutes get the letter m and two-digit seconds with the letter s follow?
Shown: 4h43
